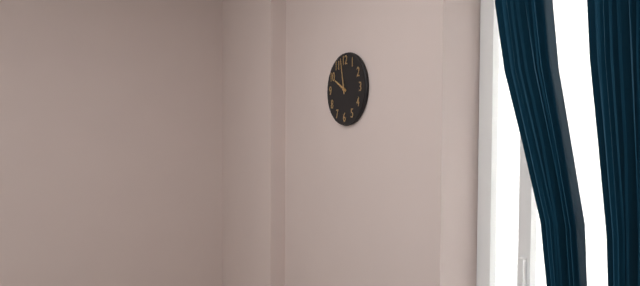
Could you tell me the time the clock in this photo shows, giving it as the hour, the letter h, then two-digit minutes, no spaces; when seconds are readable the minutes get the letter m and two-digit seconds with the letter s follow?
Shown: 9h58
